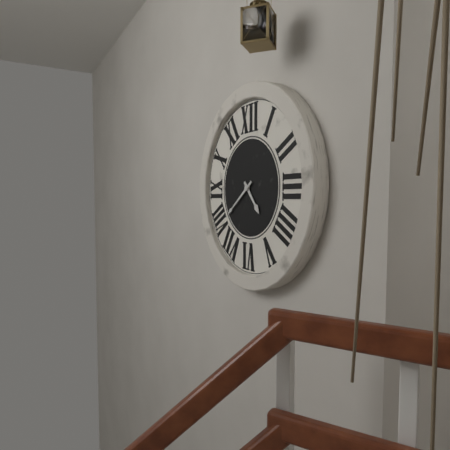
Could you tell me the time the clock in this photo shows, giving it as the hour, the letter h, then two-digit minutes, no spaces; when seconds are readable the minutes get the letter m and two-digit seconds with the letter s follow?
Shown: 4h39
